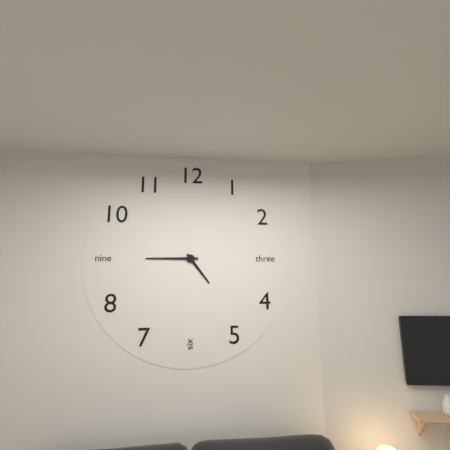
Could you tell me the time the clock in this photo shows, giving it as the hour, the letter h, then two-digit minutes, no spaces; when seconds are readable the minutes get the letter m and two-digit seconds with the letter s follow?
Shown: 4h45
